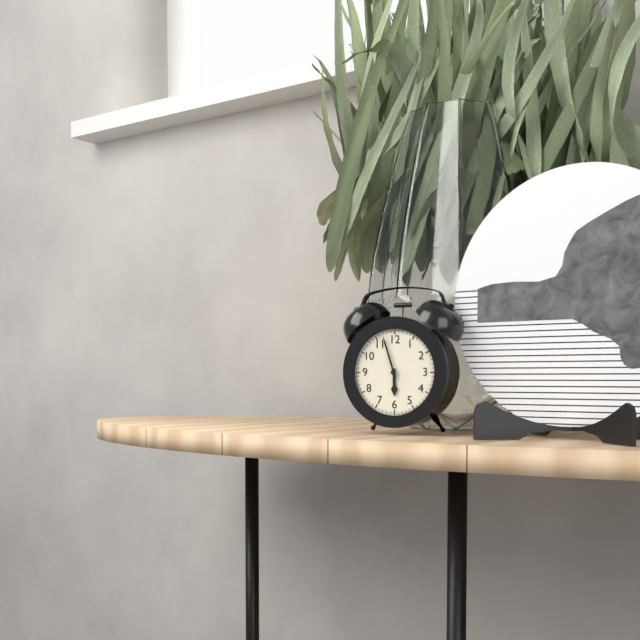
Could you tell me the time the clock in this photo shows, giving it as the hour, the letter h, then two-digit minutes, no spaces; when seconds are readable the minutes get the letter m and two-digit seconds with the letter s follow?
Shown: 5h57
